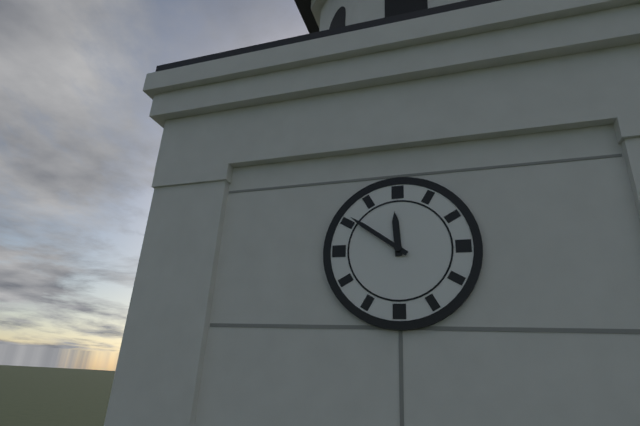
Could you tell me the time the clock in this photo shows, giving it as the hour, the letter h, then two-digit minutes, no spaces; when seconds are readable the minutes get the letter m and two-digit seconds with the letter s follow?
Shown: 11h51
